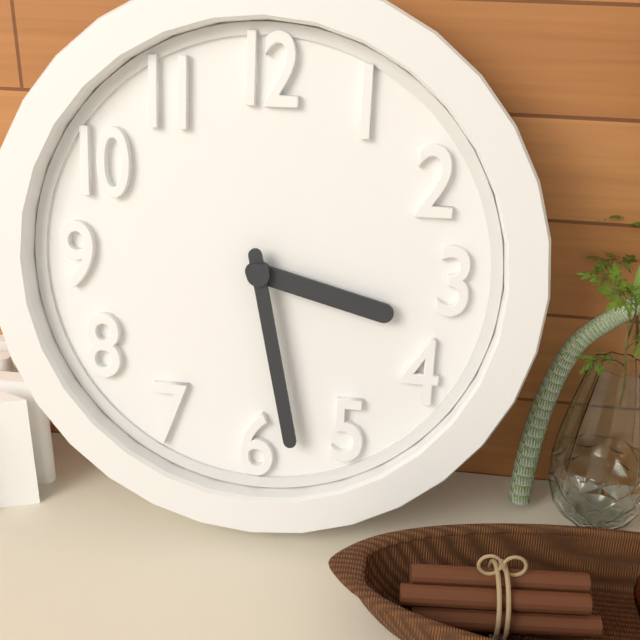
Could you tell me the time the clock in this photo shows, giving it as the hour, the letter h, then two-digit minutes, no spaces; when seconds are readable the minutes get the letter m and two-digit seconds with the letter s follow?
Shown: 3h28
